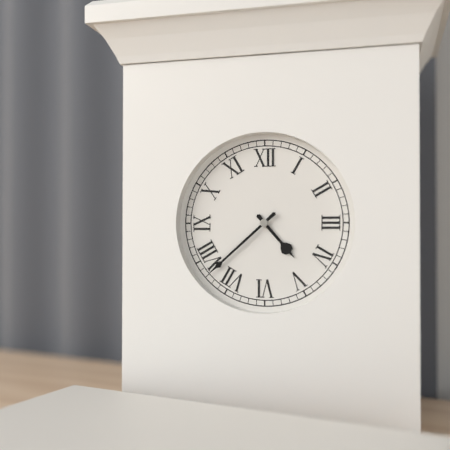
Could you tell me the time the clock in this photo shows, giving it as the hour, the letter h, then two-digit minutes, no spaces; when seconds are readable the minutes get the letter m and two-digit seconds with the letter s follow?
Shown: 4h38
